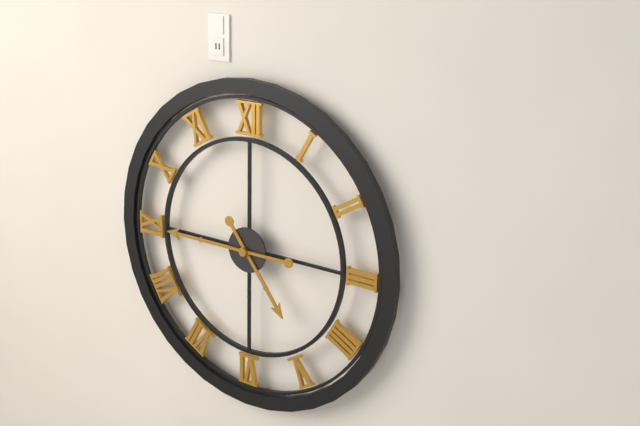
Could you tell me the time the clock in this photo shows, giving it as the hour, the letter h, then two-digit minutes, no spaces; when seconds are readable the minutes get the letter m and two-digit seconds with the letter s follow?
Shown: 4h45
